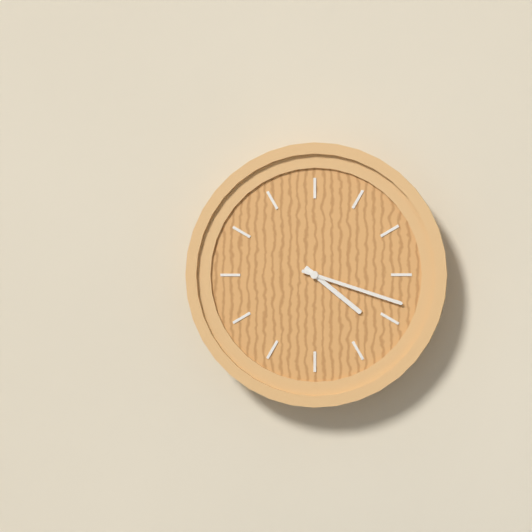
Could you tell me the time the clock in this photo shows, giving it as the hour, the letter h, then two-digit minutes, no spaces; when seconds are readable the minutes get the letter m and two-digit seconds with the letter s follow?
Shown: 4h18
